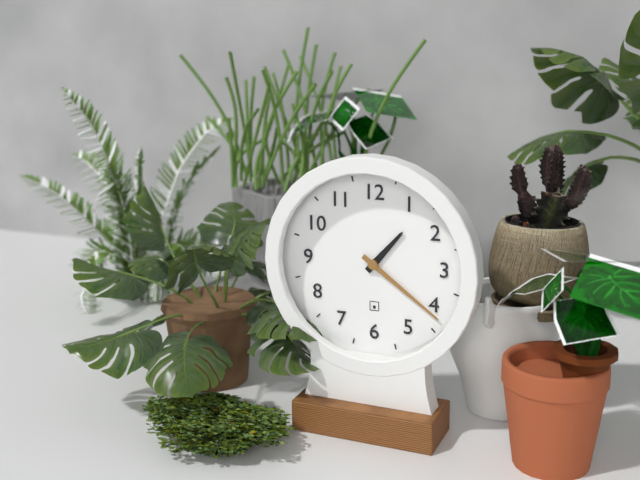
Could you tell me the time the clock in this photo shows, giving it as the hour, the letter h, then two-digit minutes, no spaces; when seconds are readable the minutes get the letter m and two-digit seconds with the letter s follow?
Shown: 1h21
